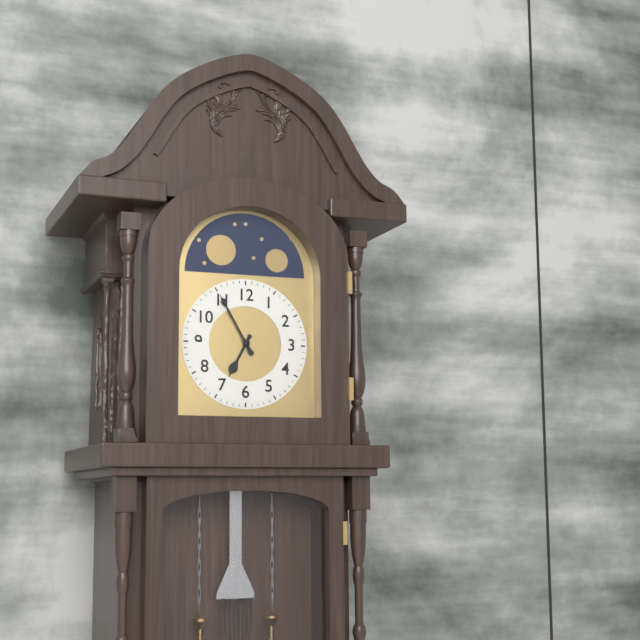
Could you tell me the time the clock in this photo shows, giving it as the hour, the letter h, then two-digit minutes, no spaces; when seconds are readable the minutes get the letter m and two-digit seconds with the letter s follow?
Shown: 6h55
